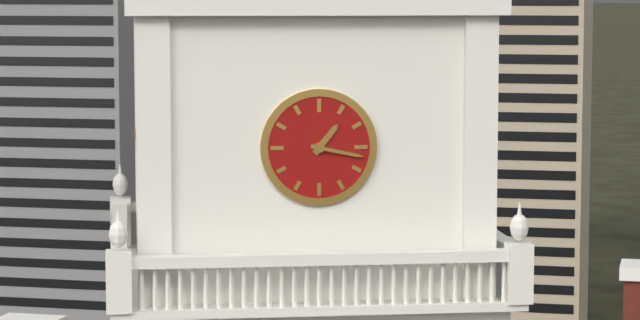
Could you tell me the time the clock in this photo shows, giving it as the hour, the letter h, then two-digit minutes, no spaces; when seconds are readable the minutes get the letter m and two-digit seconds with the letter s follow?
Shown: 1h17
